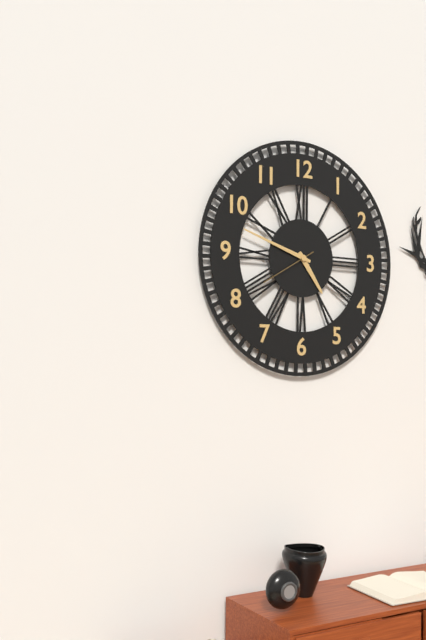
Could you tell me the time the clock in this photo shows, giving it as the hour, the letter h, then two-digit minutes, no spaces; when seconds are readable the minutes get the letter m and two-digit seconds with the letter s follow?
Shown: 4h48m40s
